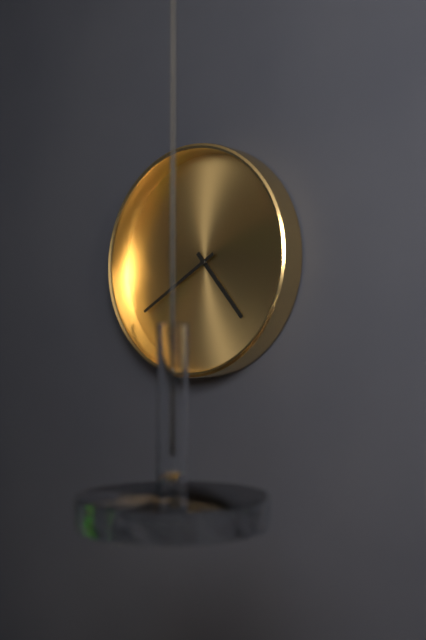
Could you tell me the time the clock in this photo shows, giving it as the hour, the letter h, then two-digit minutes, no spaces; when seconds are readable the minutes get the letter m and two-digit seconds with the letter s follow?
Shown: 4h40
